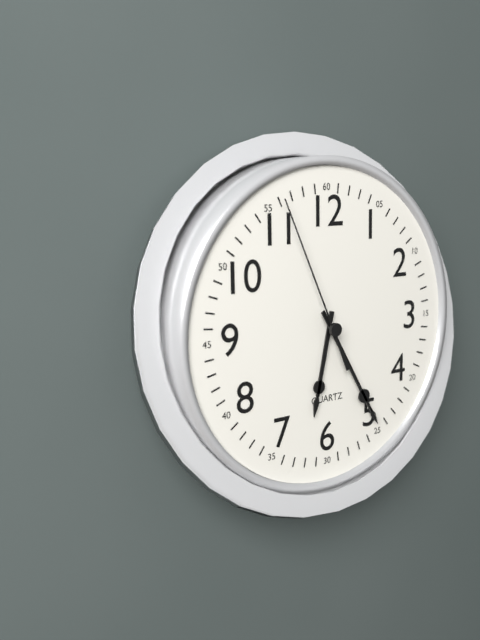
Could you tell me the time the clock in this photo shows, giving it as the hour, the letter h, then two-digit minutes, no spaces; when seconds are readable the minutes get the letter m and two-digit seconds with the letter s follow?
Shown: 6h25m56s
